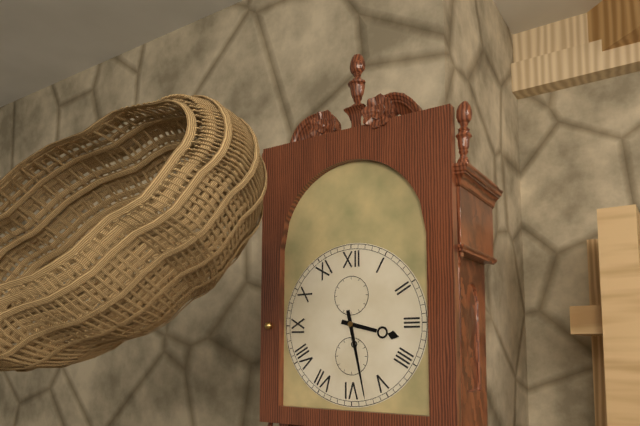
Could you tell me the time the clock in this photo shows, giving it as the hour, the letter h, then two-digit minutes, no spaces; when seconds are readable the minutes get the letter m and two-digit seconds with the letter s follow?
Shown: 3h28
